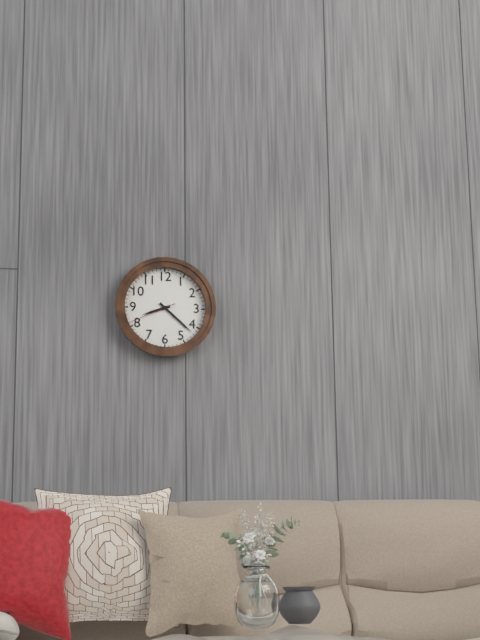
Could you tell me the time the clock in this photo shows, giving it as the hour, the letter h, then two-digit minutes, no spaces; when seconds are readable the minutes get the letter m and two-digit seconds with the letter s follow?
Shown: 8h22
